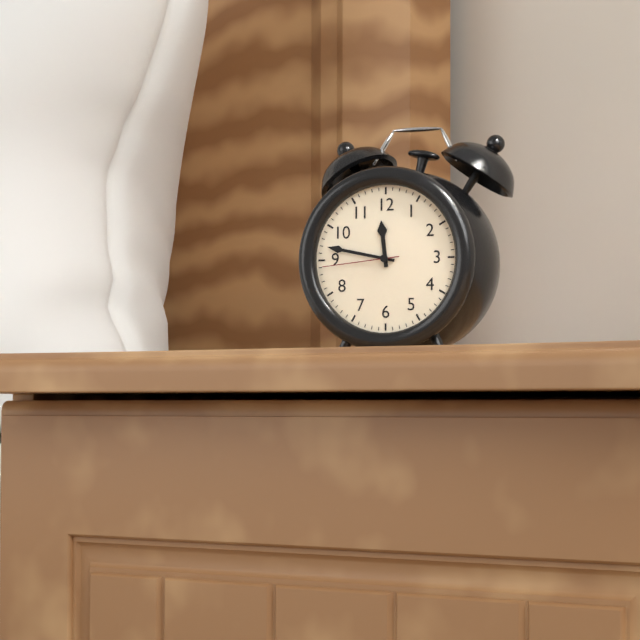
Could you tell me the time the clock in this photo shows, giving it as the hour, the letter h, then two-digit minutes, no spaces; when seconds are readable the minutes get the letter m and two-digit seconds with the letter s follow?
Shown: 11h47m44s
